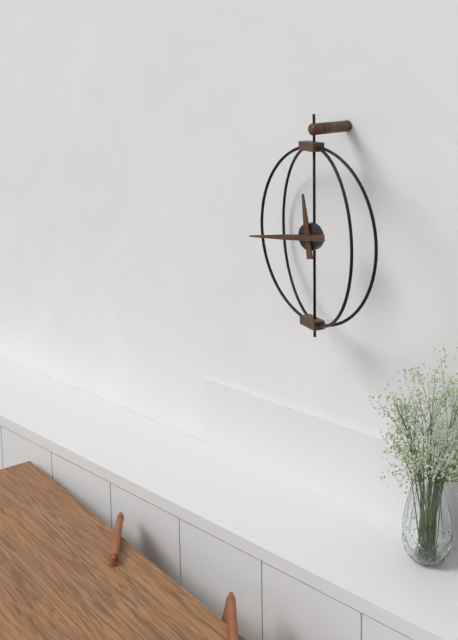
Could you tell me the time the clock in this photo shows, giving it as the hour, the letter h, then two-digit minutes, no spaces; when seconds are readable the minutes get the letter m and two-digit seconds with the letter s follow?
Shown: 11h44
